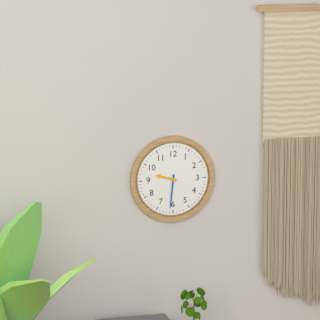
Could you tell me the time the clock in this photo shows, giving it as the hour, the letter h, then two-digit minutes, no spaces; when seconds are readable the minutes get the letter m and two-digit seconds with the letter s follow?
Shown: 9h31
